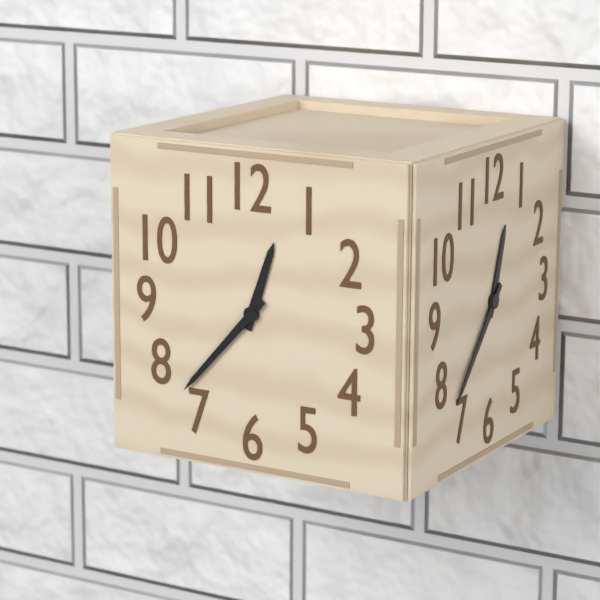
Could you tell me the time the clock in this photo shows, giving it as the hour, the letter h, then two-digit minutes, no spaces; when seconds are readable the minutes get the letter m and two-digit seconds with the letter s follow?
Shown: 12h37
